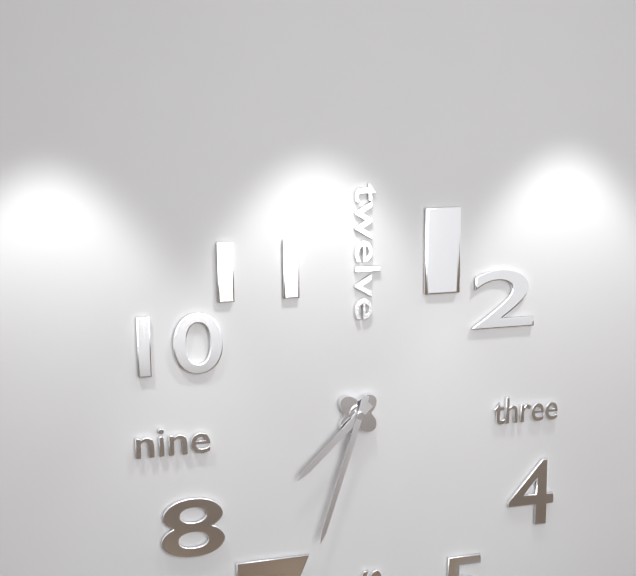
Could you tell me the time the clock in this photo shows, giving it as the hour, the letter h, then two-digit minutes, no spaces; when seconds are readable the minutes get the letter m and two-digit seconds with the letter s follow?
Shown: 7h33
